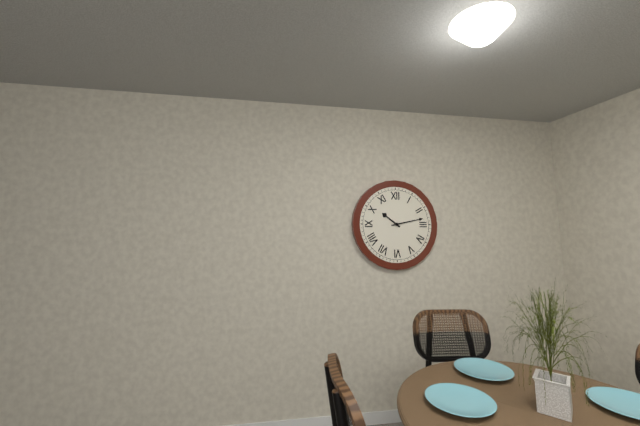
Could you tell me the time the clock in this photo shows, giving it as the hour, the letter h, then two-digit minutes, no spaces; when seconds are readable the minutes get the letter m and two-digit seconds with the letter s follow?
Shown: 10h13
